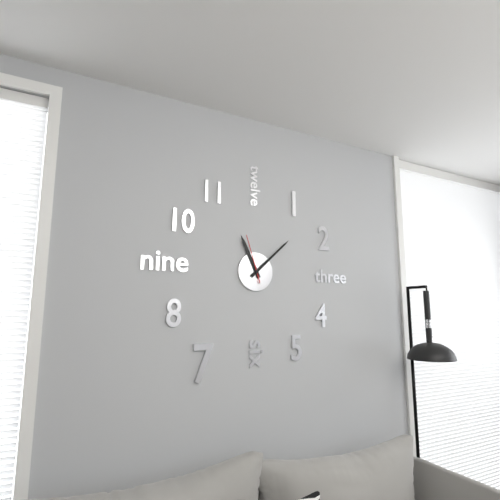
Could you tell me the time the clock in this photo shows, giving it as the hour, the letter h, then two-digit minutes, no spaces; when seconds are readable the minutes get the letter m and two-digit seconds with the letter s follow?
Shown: 11h08
